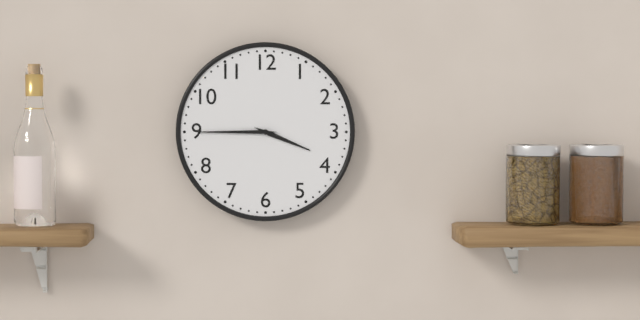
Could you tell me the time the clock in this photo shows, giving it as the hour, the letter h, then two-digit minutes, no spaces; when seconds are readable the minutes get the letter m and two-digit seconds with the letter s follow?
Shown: 3h45
